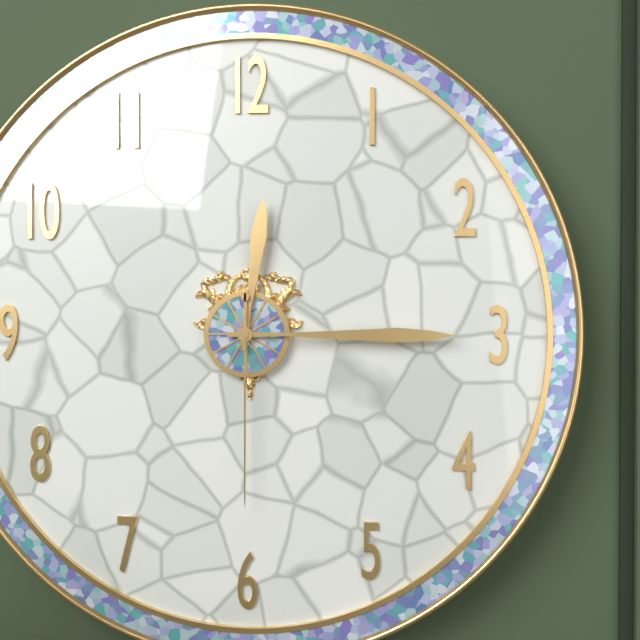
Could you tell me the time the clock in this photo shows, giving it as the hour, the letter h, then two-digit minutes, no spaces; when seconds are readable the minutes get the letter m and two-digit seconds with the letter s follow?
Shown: 12h15m30s
